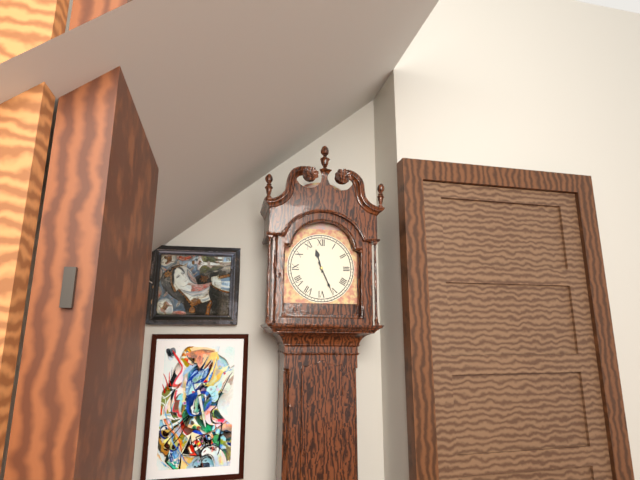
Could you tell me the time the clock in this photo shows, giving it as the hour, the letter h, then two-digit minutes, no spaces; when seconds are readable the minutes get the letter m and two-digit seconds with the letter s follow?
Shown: 11h26
